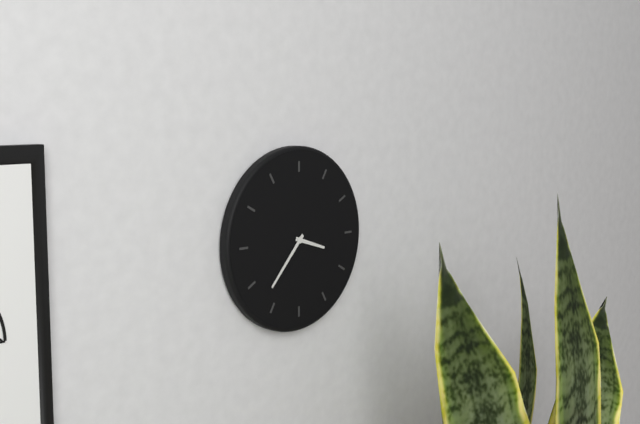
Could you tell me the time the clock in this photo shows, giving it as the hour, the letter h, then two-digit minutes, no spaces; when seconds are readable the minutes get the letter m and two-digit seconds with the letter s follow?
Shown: 3h37
